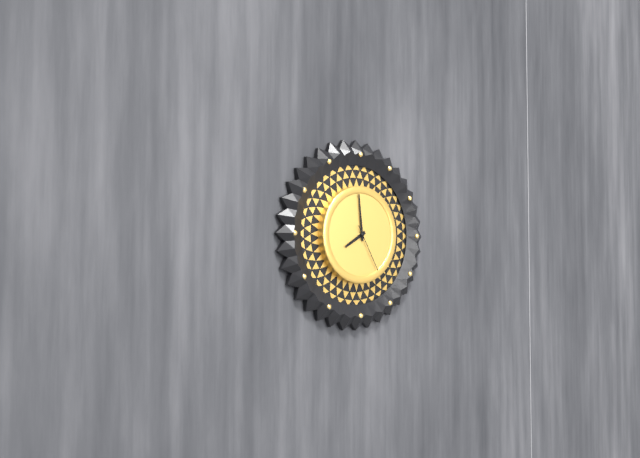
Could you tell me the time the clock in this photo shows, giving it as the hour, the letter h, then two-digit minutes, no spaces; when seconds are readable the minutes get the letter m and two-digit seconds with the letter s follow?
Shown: 7h59m25s
